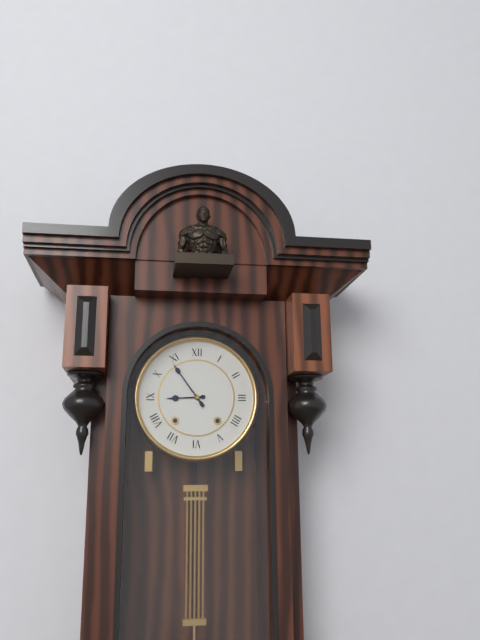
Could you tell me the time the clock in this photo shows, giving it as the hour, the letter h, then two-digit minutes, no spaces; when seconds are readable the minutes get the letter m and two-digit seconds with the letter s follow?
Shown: 8h54
